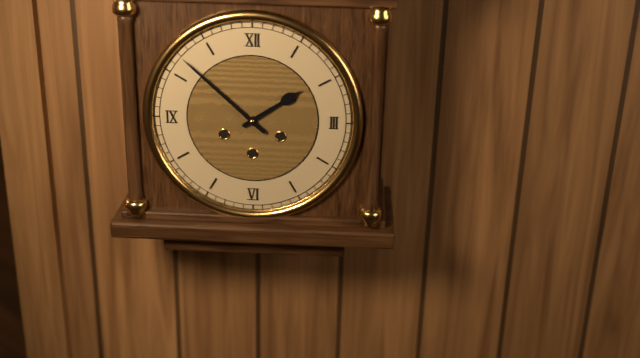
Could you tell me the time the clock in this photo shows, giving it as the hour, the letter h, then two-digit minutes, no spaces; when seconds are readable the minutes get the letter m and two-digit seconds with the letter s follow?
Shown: 1h52
